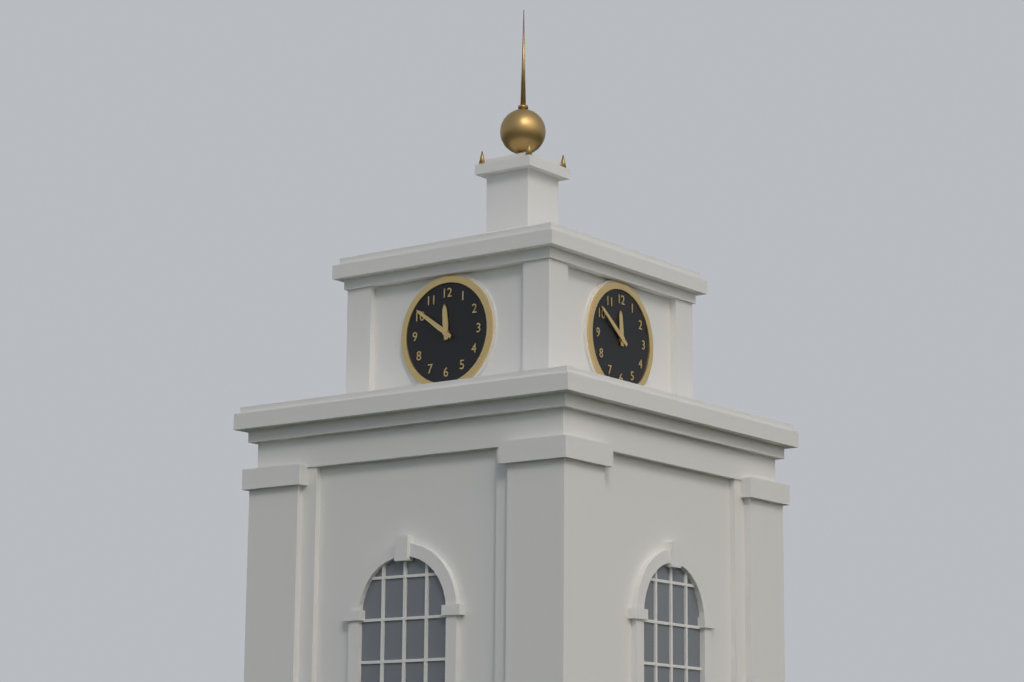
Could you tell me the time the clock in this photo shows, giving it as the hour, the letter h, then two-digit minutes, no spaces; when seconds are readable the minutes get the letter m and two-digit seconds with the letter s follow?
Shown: 11h51
